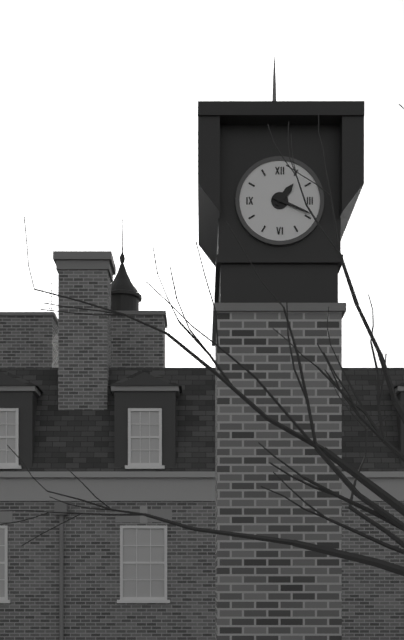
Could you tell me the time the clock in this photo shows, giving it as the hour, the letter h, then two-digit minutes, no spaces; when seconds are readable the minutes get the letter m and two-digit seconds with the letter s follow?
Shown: 1h19
